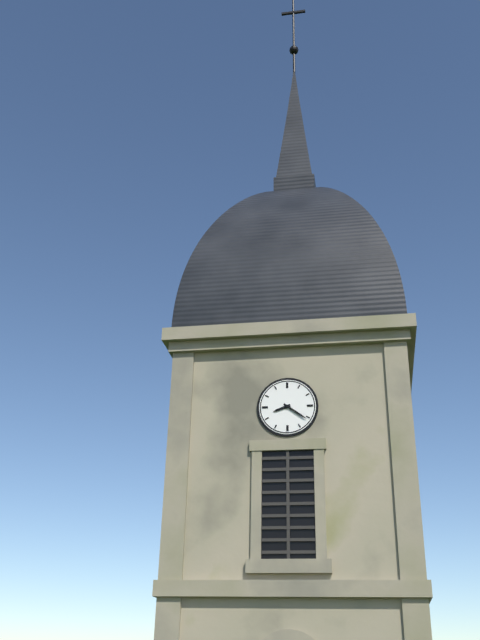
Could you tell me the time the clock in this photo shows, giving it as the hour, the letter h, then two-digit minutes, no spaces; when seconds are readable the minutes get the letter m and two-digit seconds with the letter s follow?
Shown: 8h21
